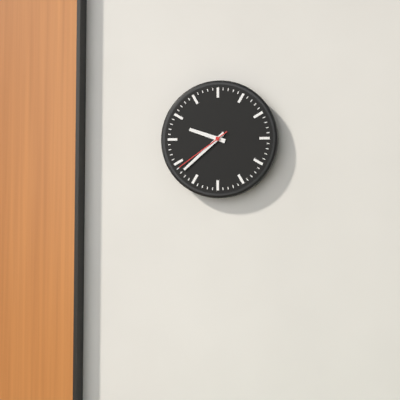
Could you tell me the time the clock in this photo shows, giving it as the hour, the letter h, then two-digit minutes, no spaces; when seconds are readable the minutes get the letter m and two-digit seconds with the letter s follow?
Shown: 9h38m39s
